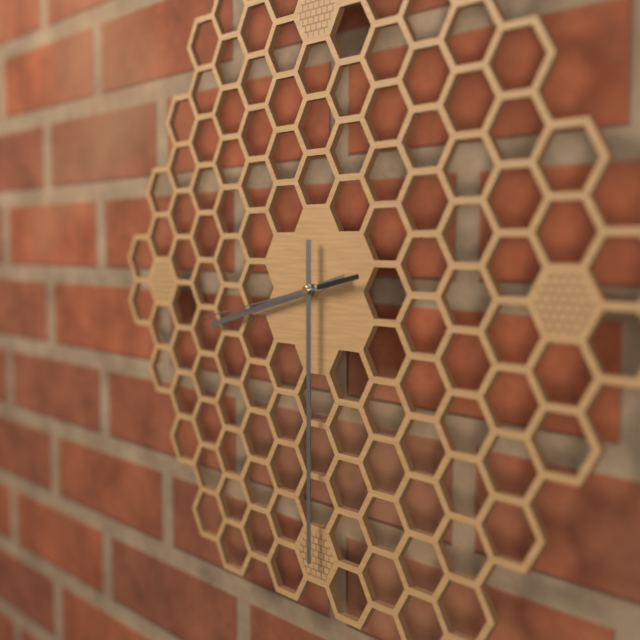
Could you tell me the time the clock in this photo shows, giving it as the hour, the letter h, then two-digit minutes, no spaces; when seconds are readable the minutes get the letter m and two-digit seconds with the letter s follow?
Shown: 8h30m43s
